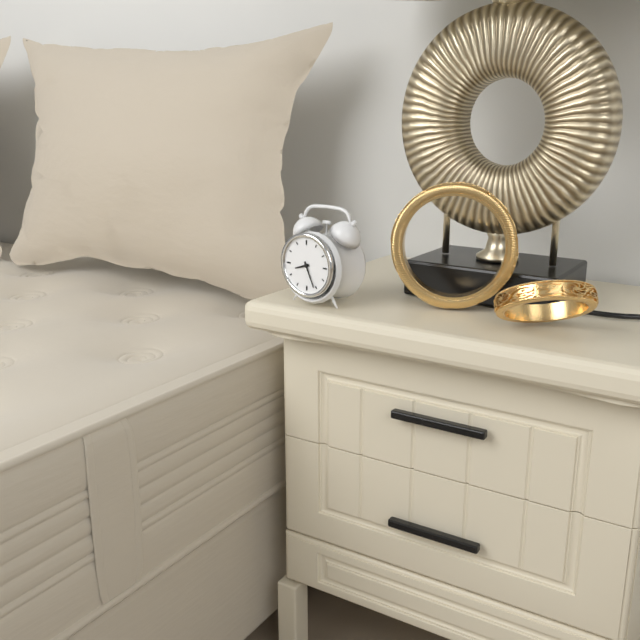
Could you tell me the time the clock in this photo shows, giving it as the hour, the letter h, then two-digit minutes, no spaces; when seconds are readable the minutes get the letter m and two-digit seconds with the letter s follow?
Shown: 8h26
